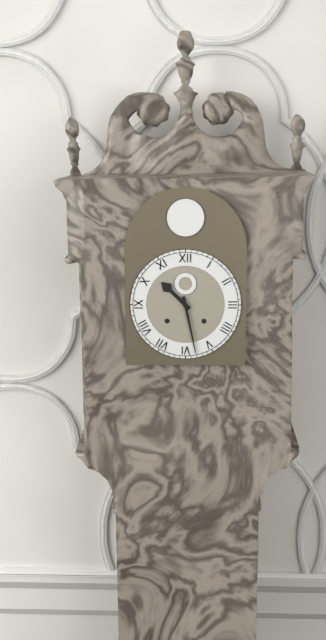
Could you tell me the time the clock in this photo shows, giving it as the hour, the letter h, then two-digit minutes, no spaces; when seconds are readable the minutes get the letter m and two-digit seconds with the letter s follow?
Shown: 10h28
